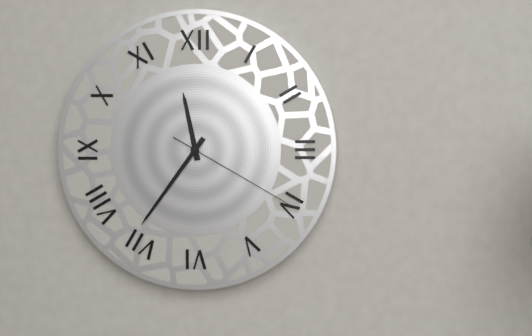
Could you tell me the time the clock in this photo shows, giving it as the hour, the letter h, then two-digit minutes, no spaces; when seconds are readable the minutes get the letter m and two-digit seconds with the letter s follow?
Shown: 11h36m20s
